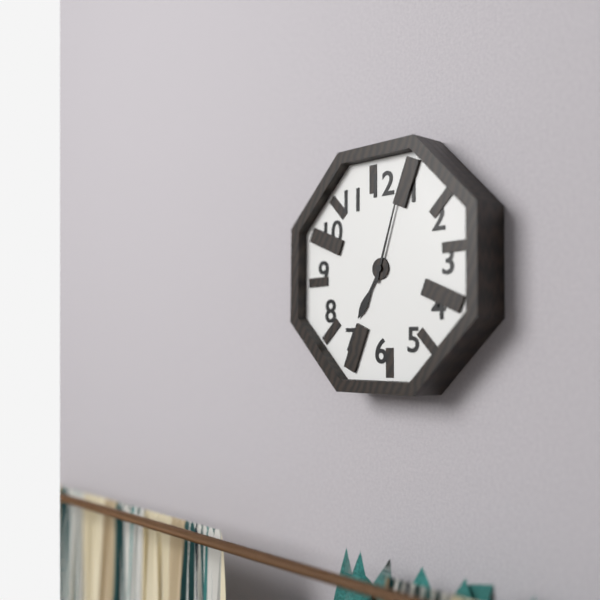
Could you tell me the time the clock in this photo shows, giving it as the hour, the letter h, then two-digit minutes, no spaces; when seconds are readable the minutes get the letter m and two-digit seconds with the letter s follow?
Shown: 7h03
